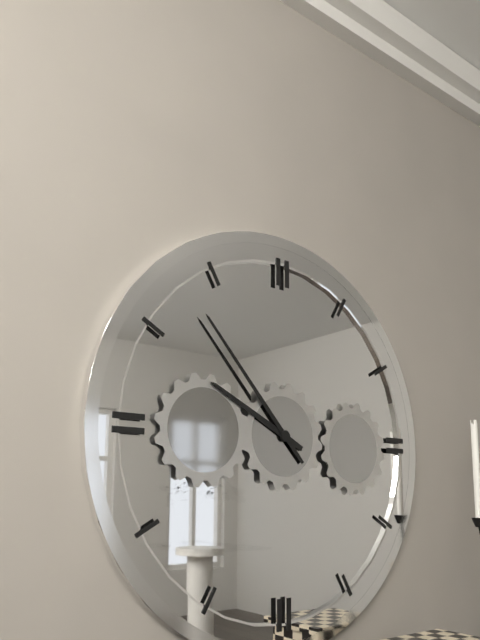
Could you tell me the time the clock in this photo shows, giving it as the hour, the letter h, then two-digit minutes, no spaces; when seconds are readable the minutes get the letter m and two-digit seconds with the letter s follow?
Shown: 9h53
